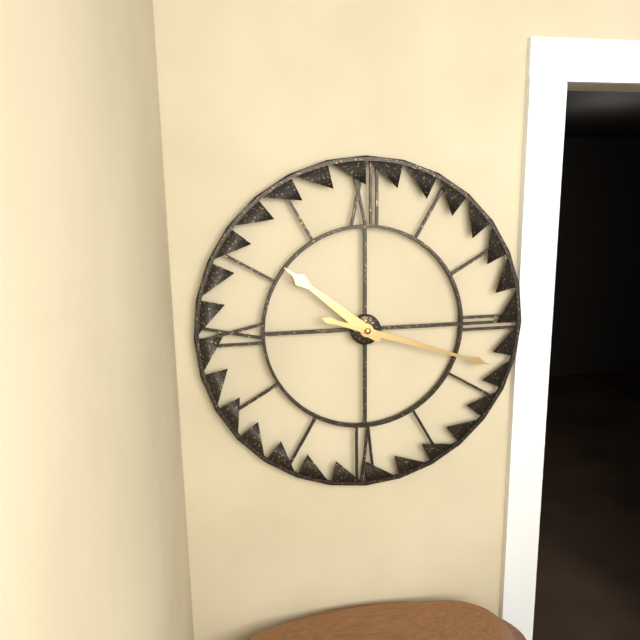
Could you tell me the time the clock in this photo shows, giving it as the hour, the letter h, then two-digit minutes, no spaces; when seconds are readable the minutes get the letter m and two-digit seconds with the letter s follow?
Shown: 10h18
